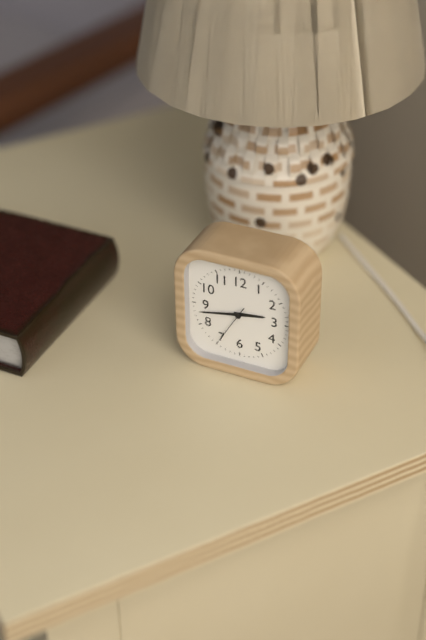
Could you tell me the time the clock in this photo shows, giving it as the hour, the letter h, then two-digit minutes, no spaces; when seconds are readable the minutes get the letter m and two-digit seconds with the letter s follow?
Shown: 2h43
